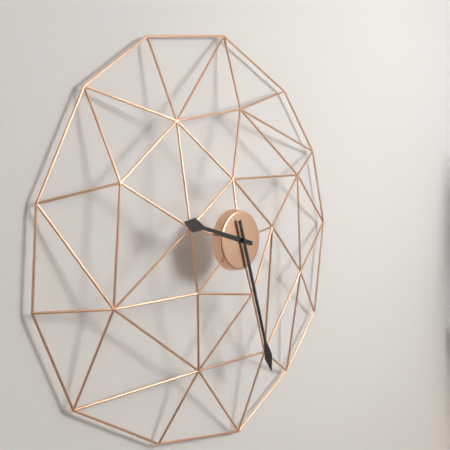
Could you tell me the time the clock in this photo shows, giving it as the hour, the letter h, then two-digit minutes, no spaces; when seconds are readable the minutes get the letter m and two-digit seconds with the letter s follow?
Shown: 9h27
